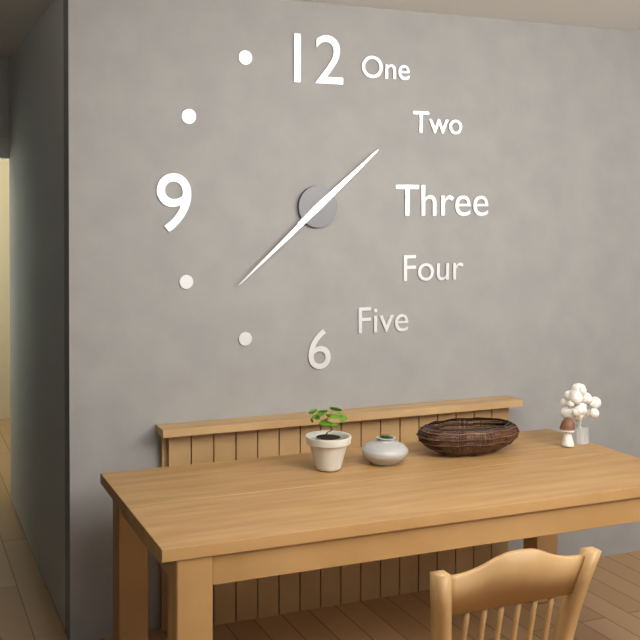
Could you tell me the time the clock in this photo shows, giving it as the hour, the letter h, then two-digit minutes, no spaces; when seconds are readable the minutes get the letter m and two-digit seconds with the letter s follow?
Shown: 1h38
